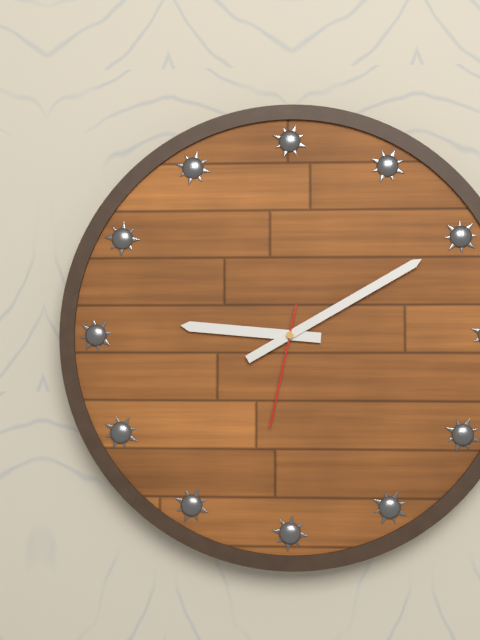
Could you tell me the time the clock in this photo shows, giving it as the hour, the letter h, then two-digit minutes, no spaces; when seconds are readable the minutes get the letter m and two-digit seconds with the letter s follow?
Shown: 9h10m32s
